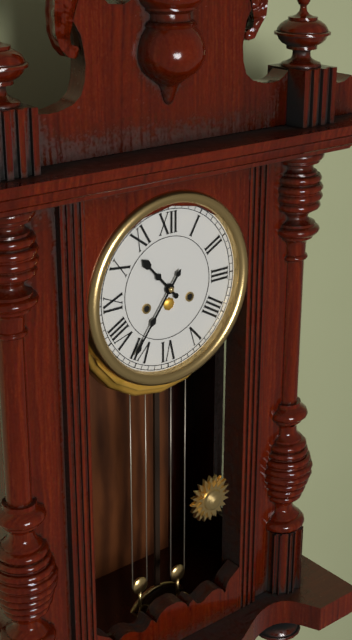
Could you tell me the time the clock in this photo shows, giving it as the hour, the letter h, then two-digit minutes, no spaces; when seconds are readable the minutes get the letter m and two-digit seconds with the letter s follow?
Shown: 10h36
